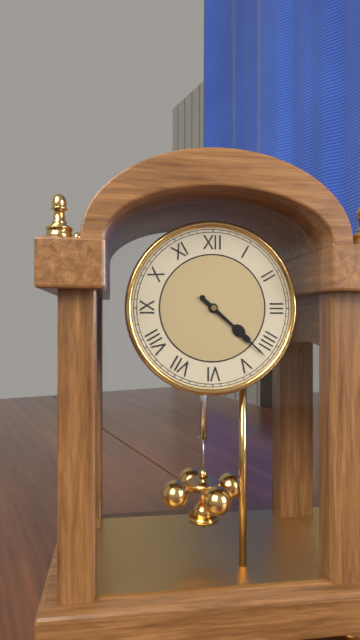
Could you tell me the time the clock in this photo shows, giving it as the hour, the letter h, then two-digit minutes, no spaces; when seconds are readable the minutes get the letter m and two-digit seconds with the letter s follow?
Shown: 4h22
